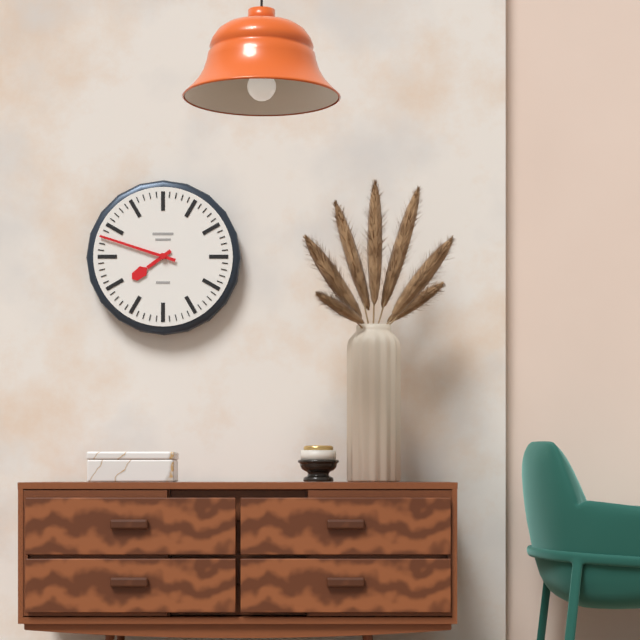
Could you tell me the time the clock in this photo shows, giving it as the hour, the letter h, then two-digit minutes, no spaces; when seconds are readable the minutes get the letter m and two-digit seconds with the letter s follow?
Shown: 7h48
